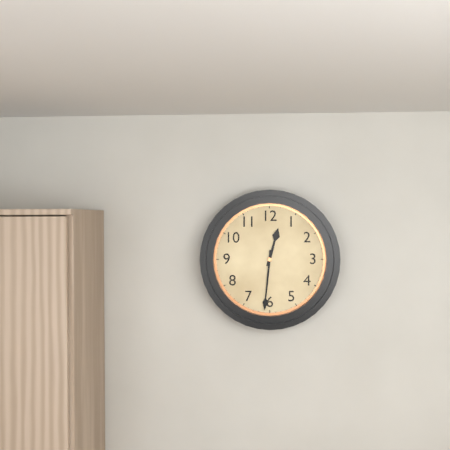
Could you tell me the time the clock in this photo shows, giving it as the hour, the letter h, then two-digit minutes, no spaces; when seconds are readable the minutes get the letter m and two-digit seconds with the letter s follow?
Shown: 12h31
